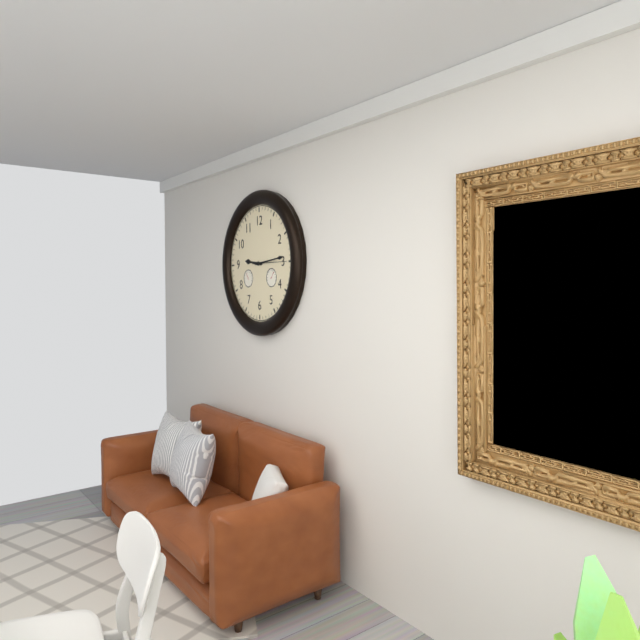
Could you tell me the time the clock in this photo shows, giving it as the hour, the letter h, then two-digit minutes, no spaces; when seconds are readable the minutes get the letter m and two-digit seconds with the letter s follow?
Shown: 9h14
